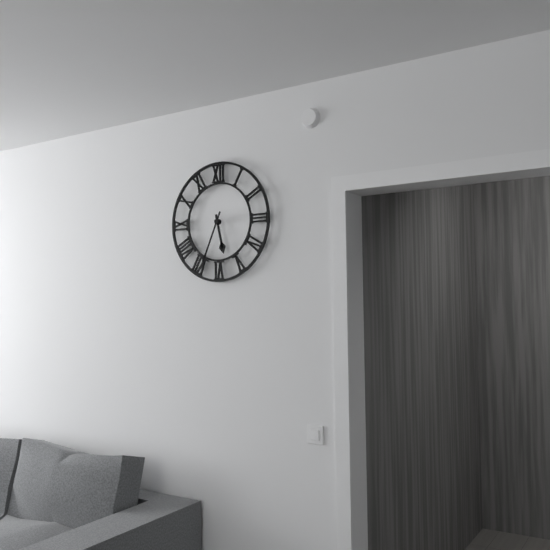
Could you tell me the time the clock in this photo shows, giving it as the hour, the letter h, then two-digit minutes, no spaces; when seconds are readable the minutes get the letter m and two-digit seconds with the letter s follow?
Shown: 5h34
